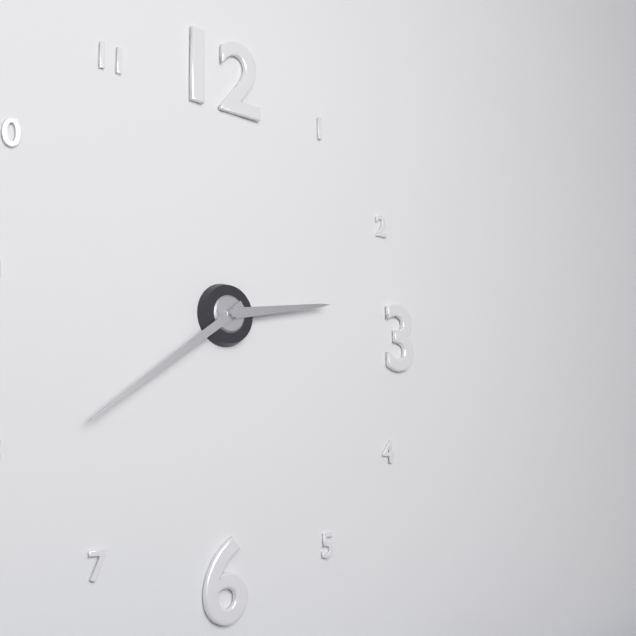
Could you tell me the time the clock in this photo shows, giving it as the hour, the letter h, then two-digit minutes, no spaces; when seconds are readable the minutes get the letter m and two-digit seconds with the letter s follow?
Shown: 2h39
